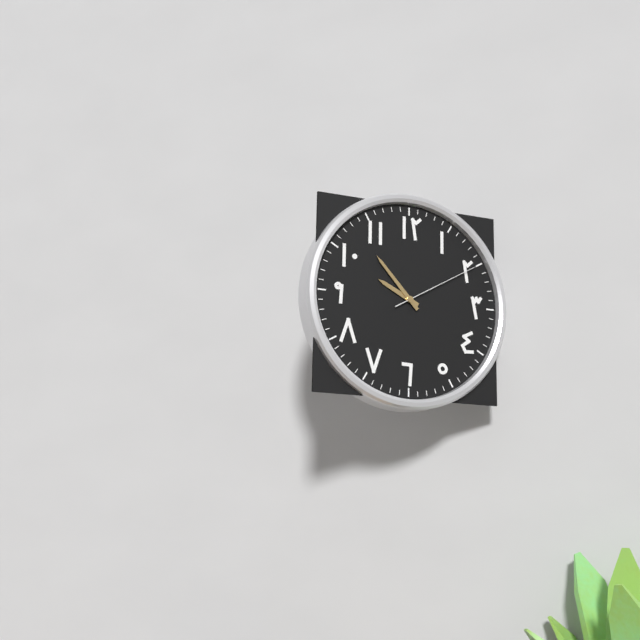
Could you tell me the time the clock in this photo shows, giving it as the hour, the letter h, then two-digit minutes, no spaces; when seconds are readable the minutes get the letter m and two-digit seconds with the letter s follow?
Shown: 9h53m10s
